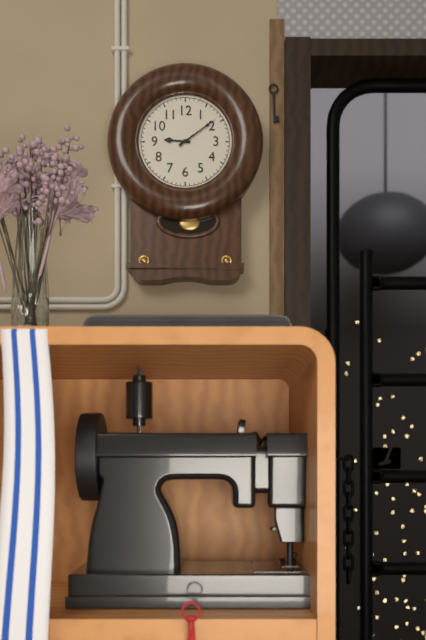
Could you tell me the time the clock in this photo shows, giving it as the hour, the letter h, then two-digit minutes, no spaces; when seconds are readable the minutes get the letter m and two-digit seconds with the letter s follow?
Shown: 9h09
